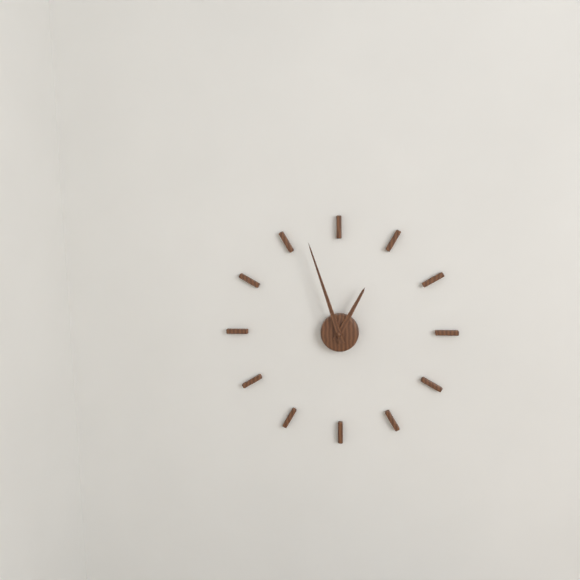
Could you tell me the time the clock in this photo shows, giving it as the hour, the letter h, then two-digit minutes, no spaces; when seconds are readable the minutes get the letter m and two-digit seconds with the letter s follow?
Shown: 12h57
